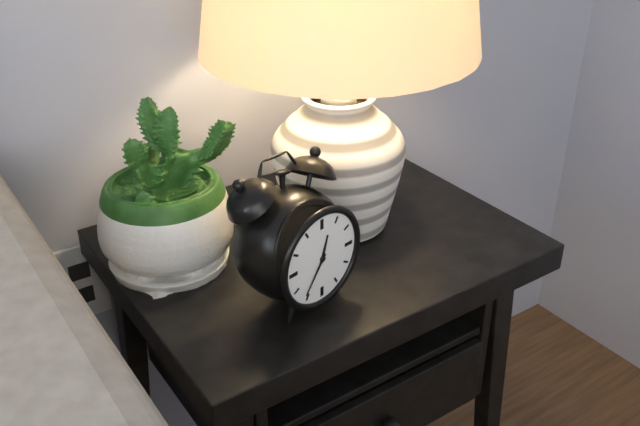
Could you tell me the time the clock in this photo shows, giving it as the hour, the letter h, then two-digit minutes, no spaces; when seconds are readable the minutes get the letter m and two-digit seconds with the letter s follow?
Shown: 12h36
